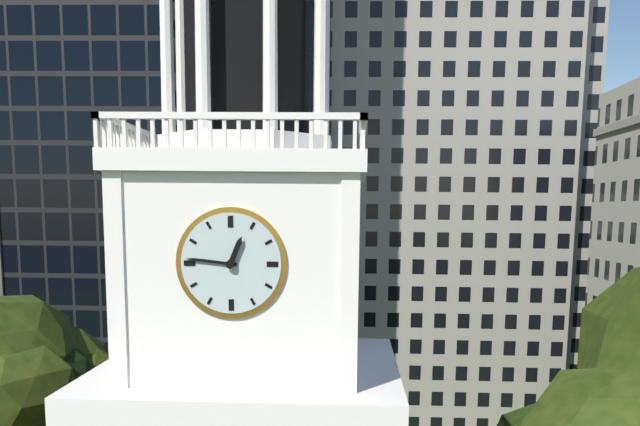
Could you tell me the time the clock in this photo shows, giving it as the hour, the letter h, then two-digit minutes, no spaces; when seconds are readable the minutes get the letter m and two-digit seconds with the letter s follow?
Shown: 12h46
